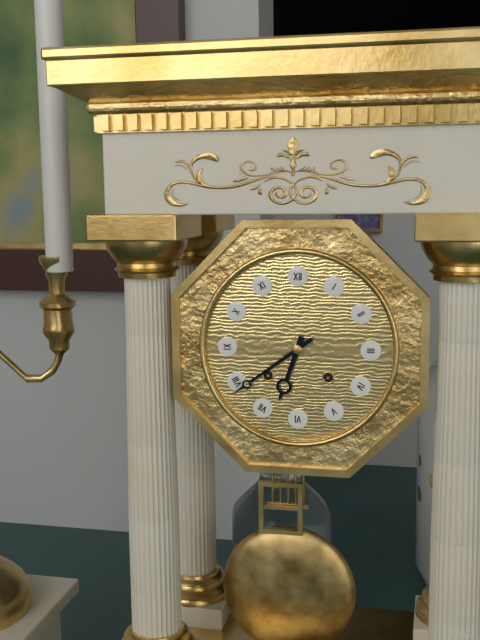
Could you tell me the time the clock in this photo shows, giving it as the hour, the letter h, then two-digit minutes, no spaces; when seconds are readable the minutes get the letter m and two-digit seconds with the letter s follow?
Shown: 6h39
